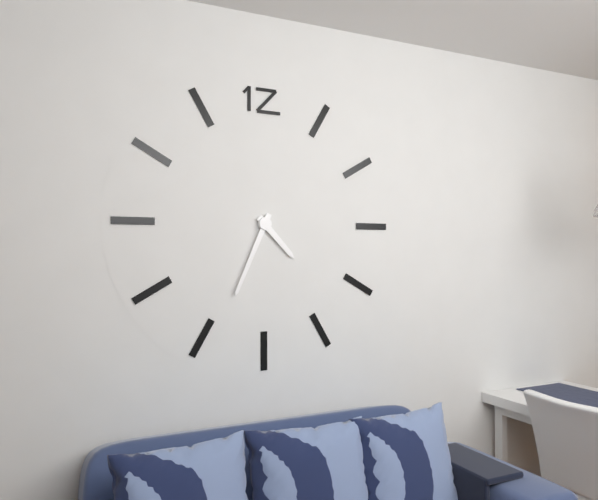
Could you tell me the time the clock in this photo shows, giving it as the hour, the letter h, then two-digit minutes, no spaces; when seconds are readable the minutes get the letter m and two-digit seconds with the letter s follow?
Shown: 4h34
